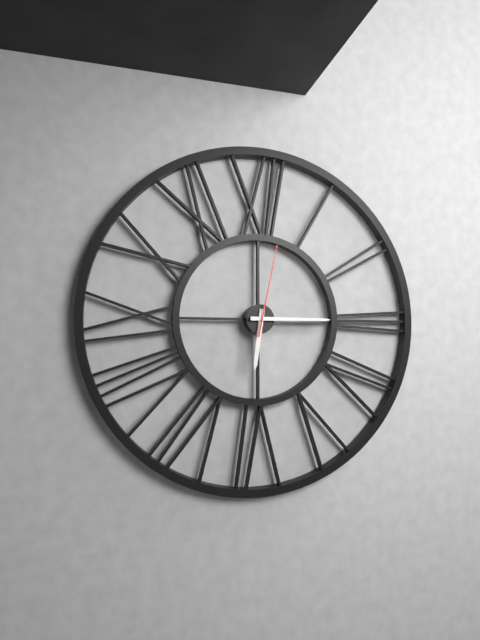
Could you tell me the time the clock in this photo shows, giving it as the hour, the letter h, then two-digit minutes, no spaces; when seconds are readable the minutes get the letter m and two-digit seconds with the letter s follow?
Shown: 6h15m02s
